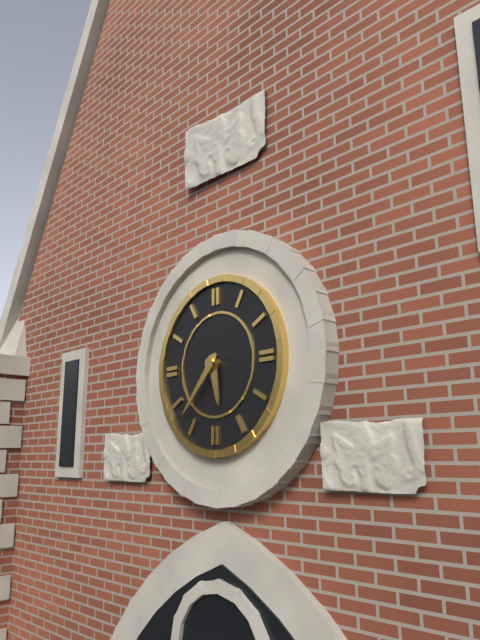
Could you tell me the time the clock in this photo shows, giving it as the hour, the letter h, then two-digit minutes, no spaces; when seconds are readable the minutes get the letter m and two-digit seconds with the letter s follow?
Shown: 5h37
